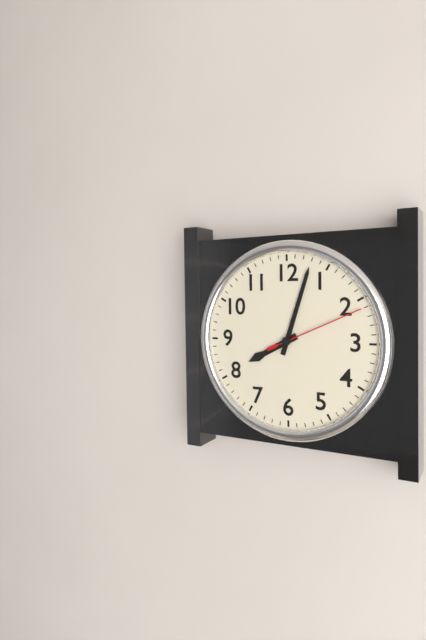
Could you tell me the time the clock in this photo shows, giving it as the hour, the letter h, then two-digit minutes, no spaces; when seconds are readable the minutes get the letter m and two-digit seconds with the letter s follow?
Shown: 8h03m11s
